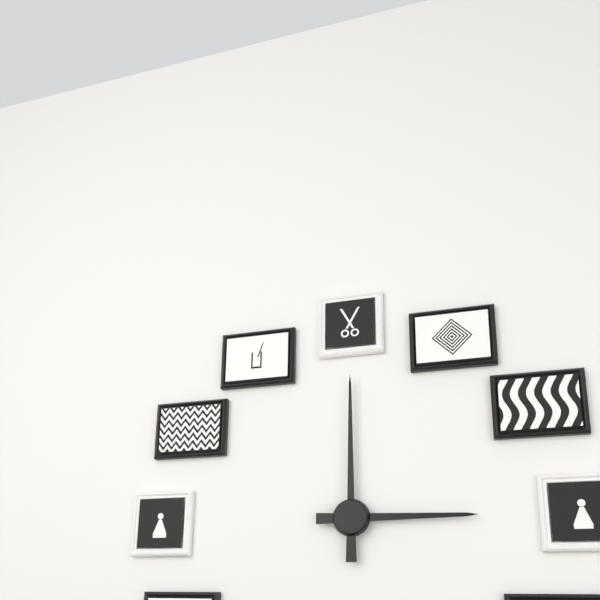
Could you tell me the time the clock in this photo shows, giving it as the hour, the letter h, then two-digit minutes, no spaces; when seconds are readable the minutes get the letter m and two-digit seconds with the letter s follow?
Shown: 3h00
